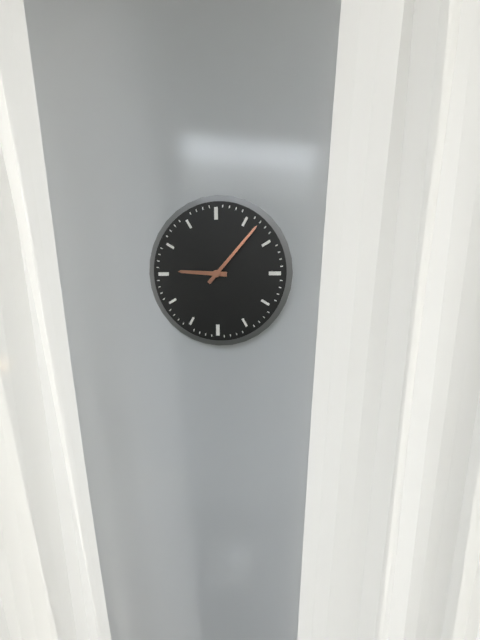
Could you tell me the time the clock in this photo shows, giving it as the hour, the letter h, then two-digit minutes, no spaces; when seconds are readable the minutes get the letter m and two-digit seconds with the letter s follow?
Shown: 9h07
